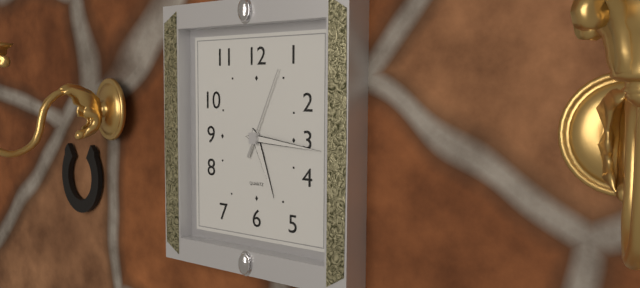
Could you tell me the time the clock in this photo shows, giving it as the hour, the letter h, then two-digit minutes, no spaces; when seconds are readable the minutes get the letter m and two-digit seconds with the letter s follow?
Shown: 5h16m04s
